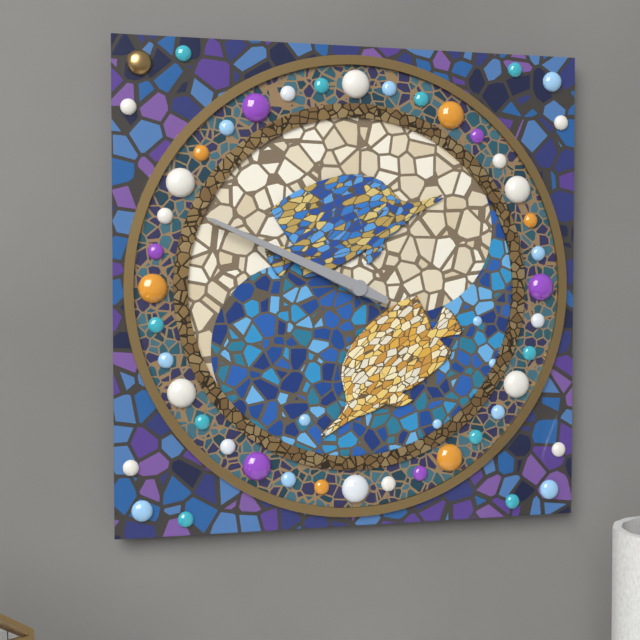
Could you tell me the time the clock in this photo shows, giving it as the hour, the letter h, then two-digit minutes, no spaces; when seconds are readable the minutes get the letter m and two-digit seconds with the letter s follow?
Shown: 9h49
